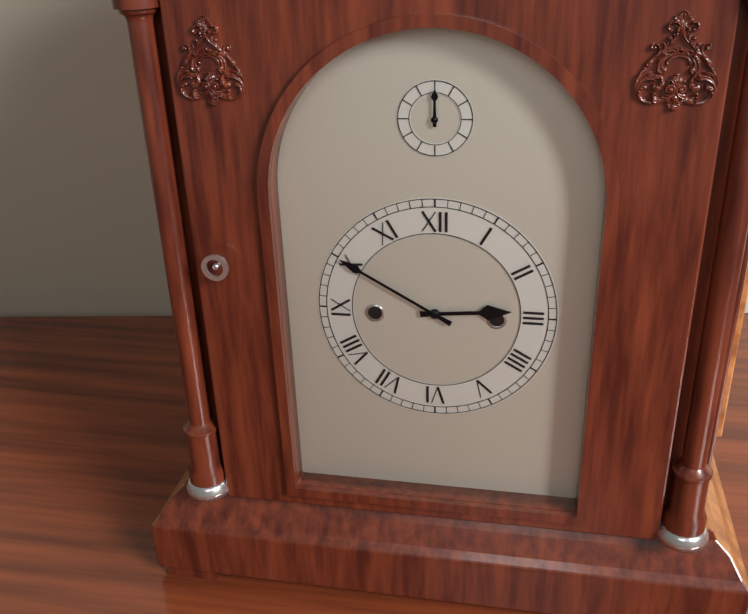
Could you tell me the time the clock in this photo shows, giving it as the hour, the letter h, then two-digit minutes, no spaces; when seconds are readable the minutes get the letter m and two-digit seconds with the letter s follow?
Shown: 2h50
